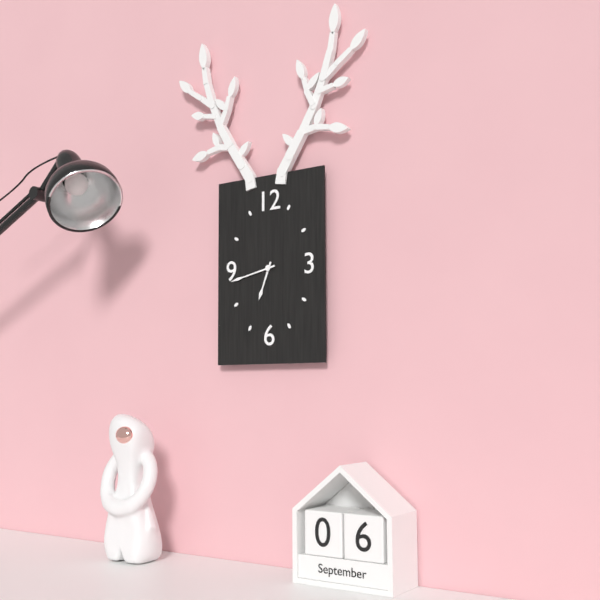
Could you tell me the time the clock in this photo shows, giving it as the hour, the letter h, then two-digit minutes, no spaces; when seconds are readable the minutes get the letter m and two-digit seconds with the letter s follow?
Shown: 6h43
